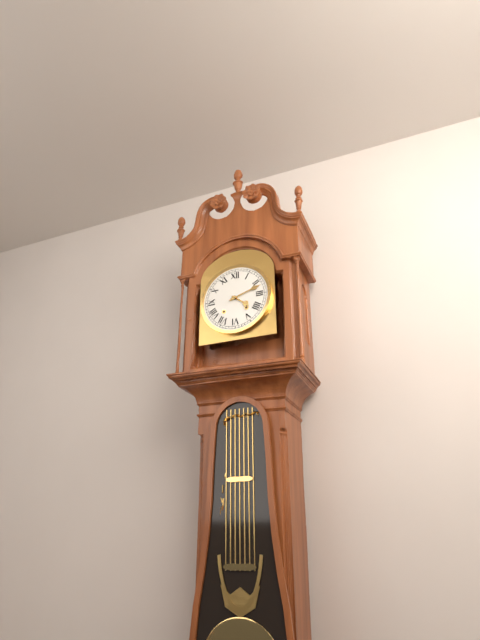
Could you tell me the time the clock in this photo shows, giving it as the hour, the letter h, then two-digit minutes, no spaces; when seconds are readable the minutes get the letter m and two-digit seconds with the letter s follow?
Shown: 4h12
